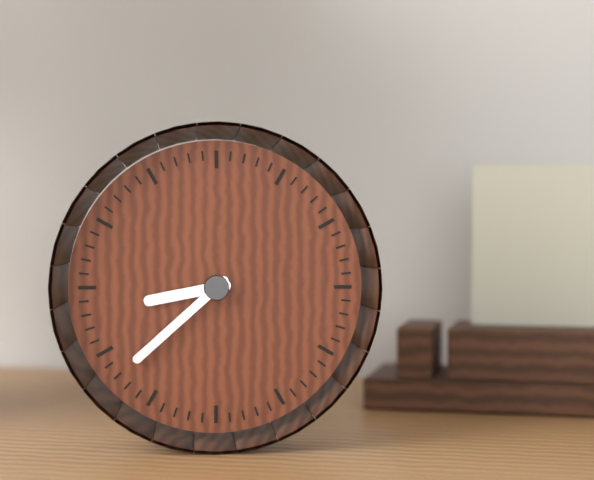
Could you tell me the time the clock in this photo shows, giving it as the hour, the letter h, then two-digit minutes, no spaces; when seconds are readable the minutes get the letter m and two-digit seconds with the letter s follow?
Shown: 8h38
